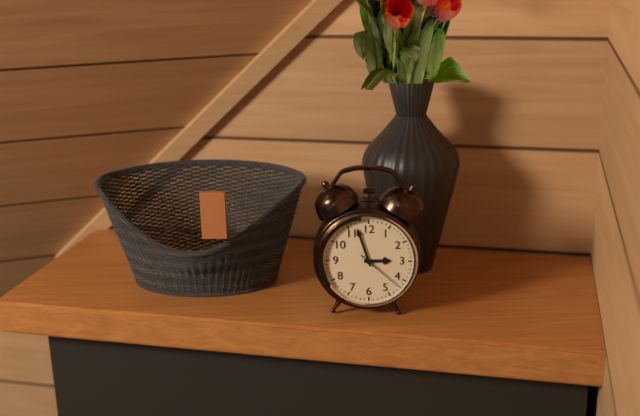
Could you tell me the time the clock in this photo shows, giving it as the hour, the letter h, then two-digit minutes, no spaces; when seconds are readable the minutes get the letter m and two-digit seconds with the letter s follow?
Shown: 2h57m22s
